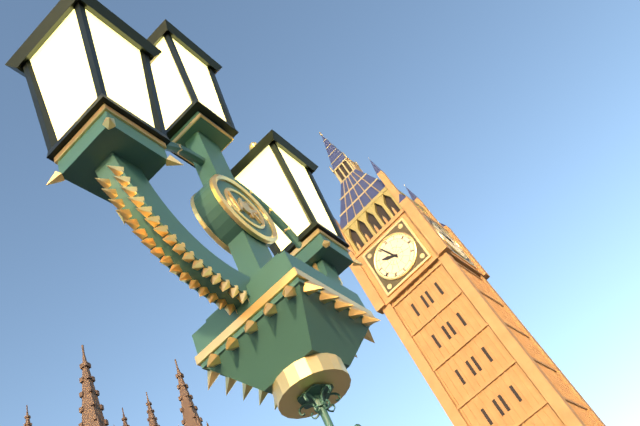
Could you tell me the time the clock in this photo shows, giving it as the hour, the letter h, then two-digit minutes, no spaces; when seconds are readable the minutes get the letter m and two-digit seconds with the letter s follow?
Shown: 9h56
